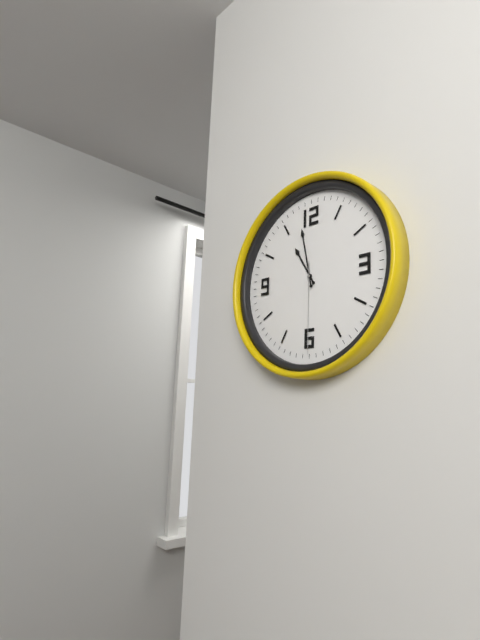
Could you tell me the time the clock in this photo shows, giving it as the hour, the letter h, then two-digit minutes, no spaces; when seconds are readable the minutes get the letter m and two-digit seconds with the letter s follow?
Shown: 10h58m30s
